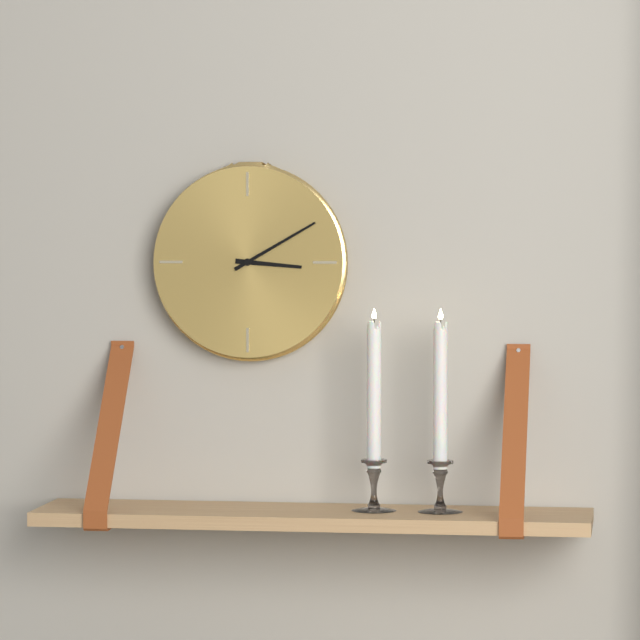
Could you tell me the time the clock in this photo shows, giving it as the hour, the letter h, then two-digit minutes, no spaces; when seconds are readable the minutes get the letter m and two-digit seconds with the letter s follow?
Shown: 3h10
